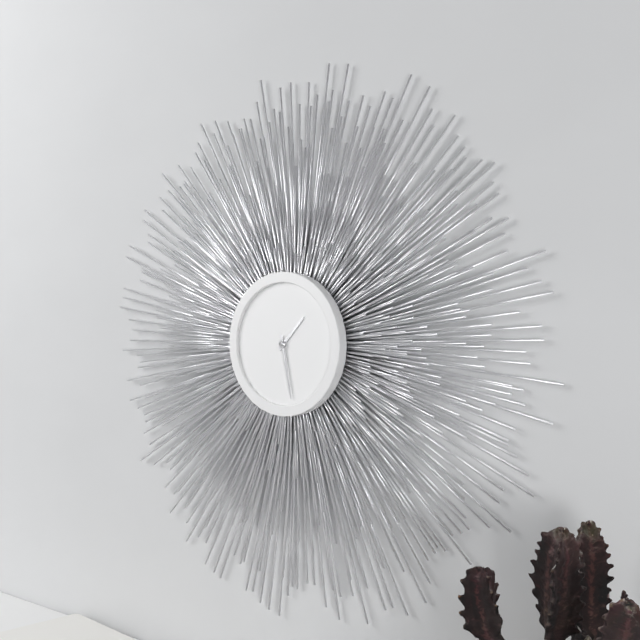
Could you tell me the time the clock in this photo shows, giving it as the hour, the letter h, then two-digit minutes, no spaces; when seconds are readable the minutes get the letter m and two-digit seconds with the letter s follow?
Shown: 1h28
